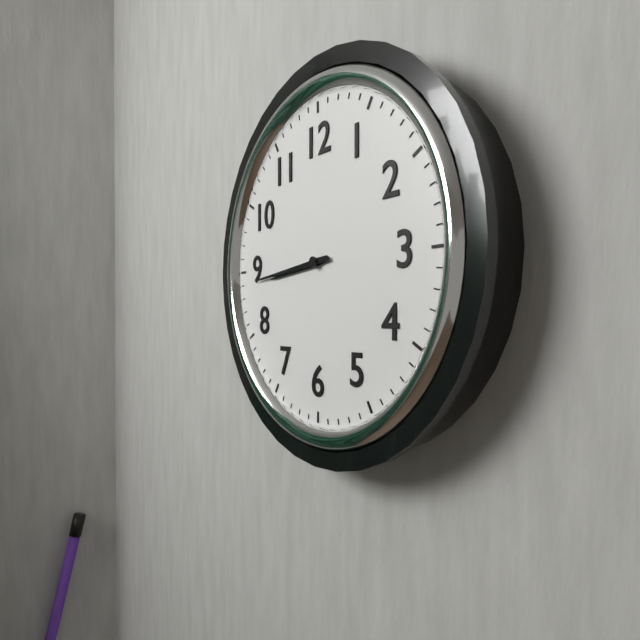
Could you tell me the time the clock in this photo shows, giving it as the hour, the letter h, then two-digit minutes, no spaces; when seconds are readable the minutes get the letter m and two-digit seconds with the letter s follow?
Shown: 8h44
